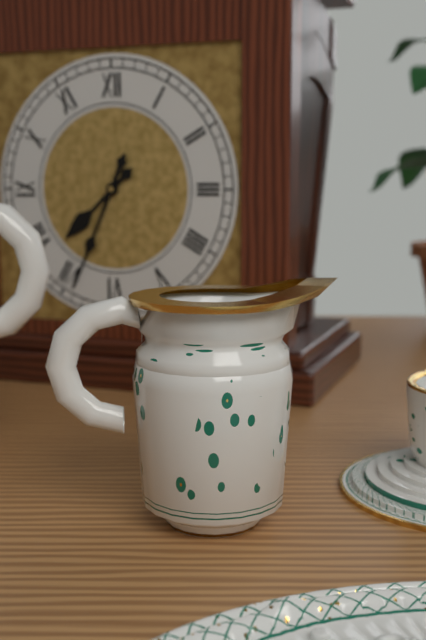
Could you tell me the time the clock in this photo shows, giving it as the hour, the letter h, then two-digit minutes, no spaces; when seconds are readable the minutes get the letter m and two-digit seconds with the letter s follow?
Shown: 7h34
